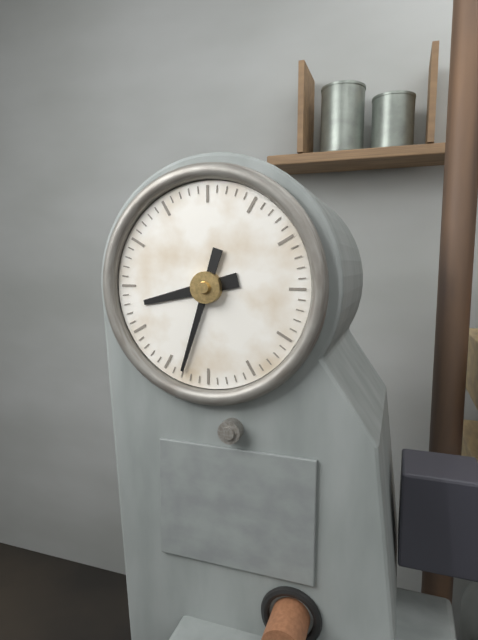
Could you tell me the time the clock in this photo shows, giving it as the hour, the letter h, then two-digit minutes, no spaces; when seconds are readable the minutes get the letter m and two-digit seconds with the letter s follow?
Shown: 8h33
